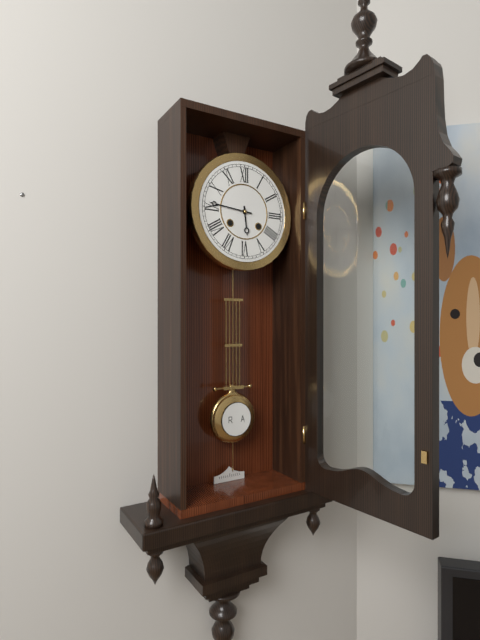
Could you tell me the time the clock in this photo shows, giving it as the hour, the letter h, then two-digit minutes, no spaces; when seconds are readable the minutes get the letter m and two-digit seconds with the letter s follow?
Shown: 5h46
